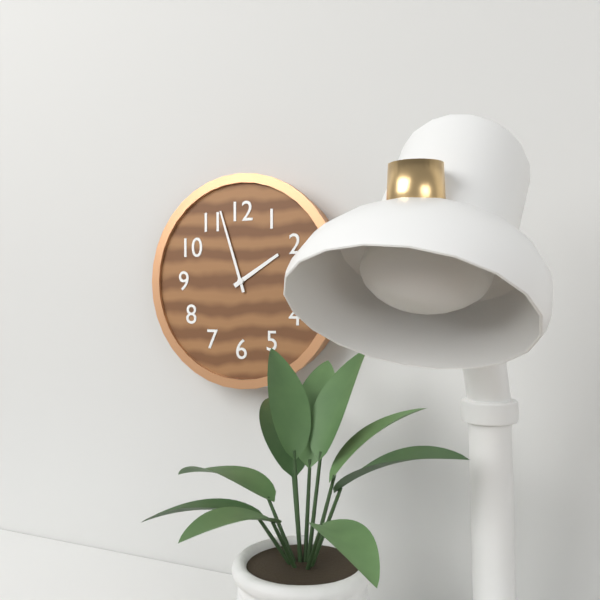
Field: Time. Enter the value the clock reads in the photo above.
1:57
